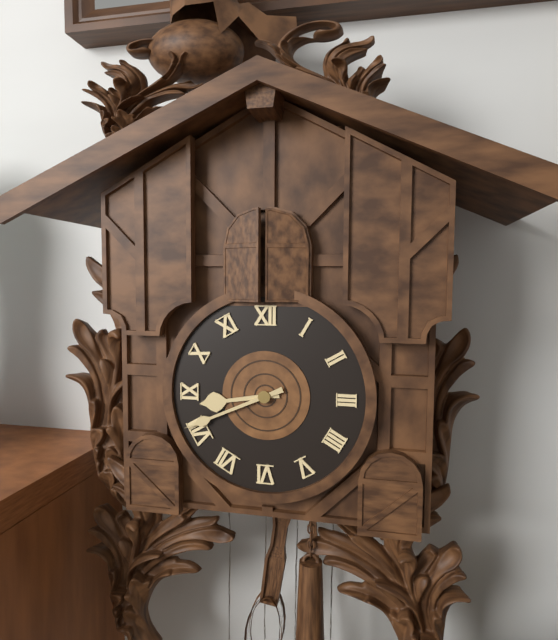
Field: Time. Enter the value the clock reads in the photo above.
8:41
